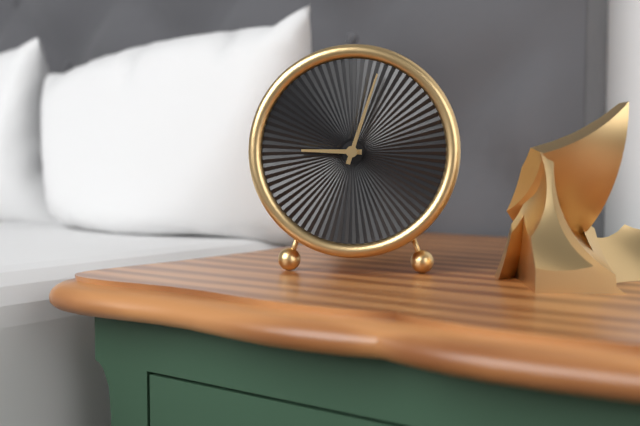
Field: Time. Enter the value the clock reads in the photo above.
9:03
